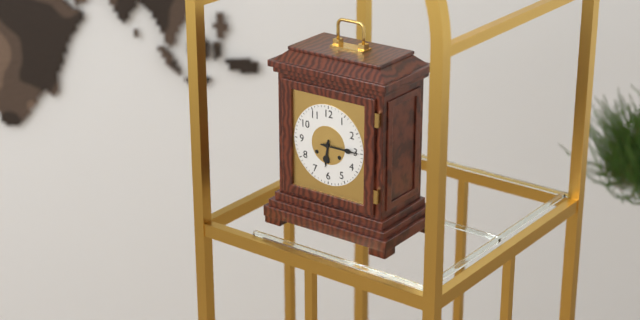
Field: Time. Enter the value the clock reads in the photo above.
6:15
